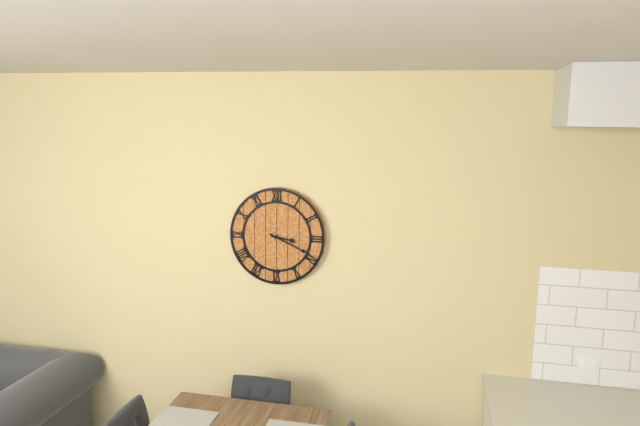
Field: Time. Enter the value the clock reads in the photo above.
3:19
